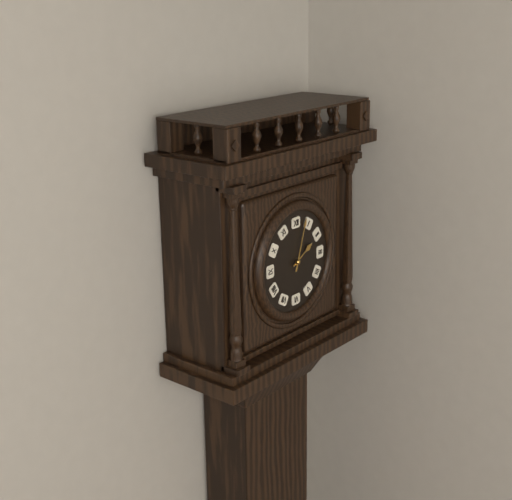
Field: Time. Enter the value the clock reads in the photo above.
2:03
